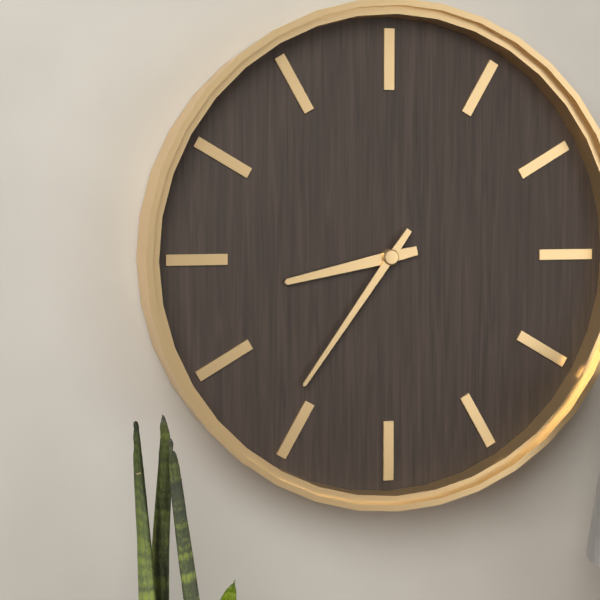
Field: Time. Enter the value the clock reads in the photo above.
8:36
